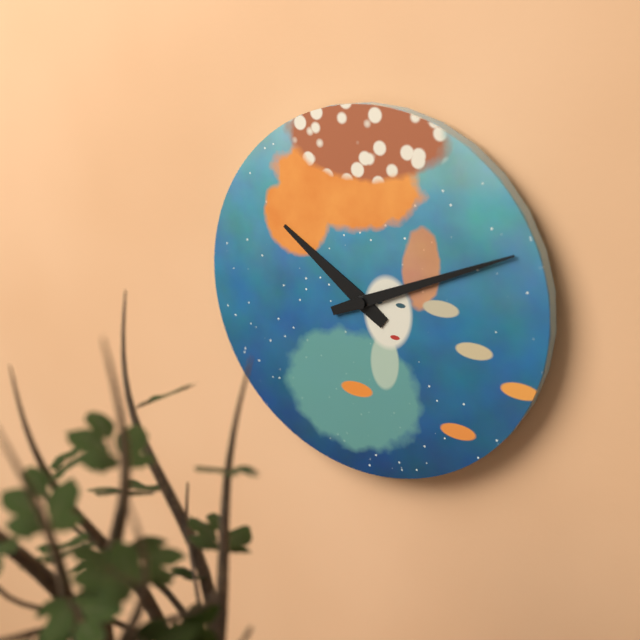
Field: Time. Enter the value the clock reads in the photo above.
10:11
